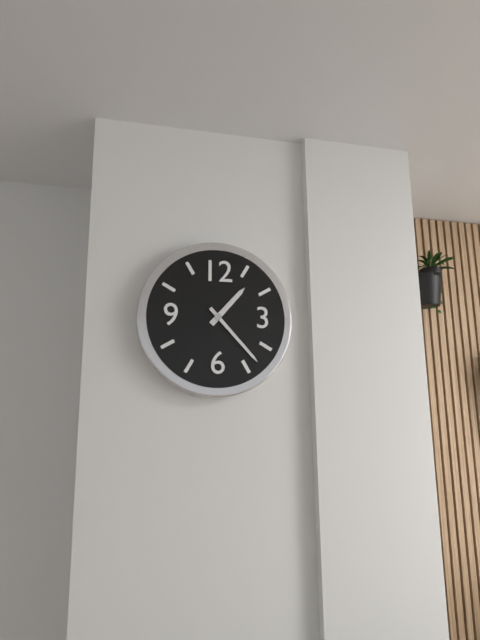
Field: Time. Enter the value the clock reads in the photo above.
1:23
